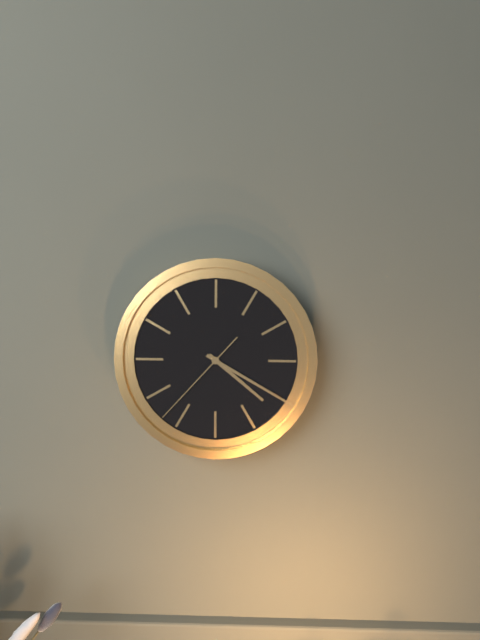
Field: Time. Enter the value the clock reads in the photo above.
4:20:37
